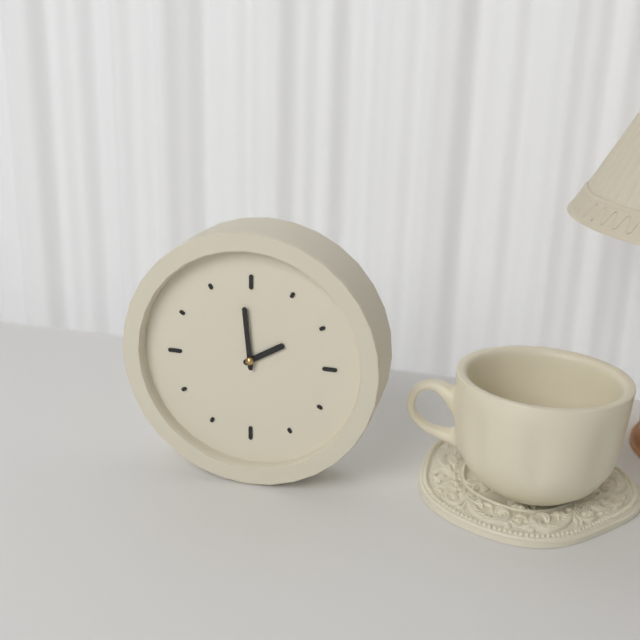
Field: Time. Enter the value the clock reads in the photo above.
1:59
